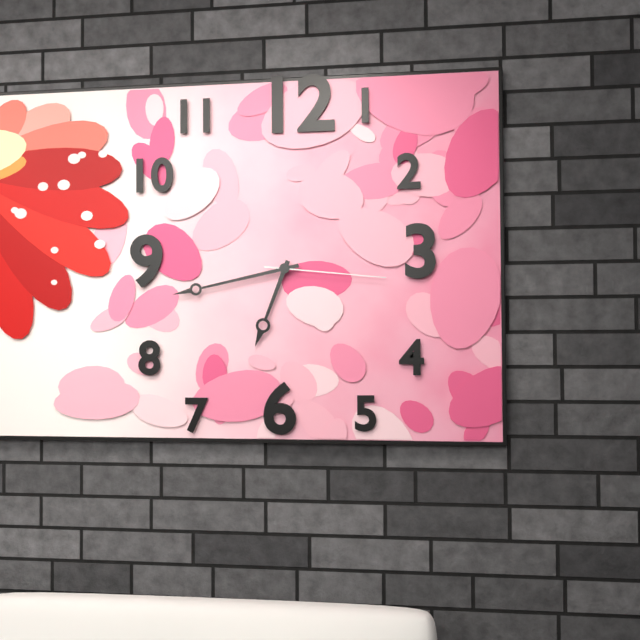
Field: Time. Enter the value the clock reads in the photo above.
6:43:16
